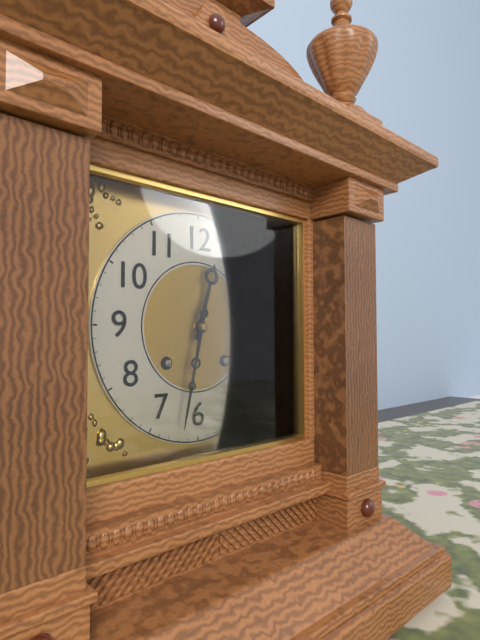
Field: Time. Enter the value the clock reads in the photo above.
12:32
